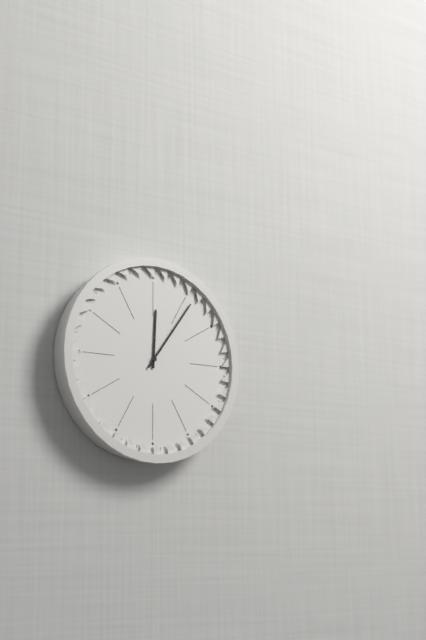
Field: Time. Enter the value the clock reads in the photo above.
12:06
